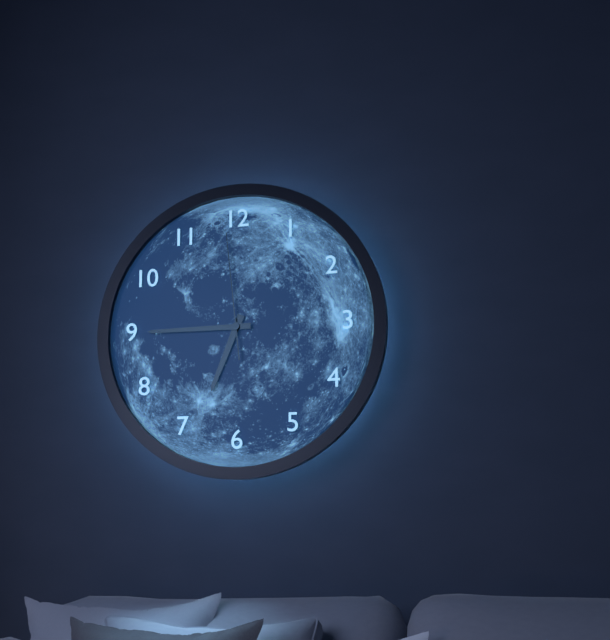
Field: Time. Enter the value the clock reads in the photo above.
6:45:59
